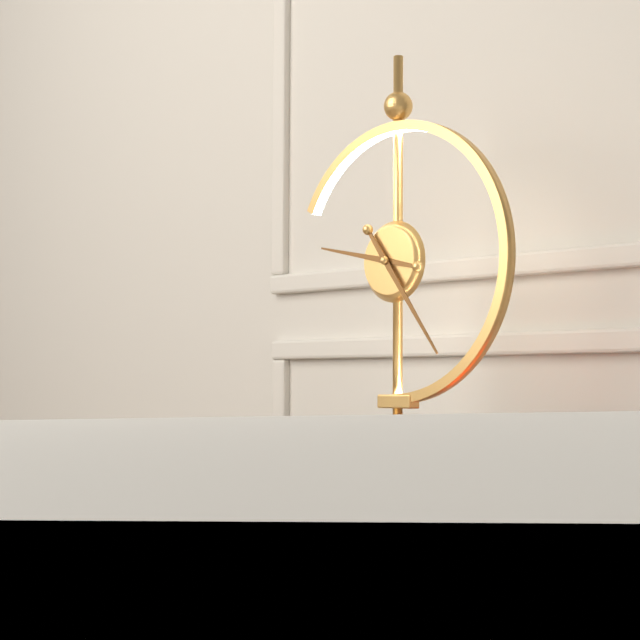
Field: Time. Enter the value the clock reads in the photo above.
9:24
